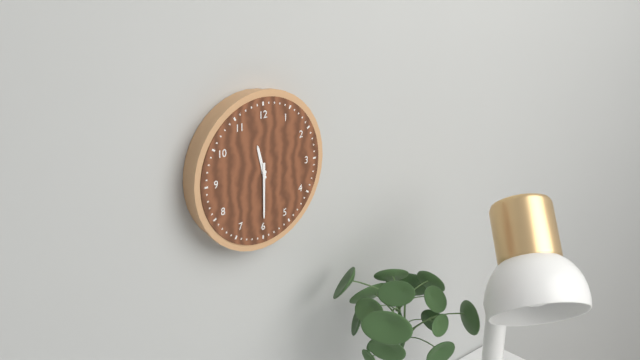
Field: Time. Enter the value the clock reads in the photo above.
11:30
